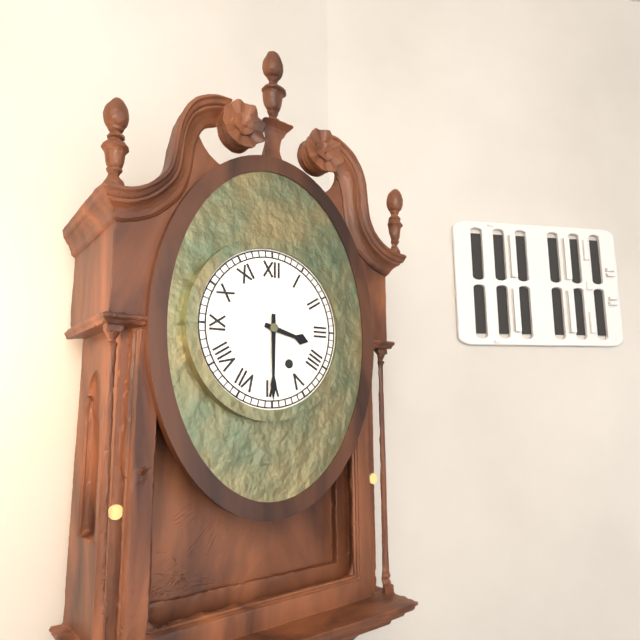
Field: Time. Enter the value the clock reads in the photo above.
3:30
